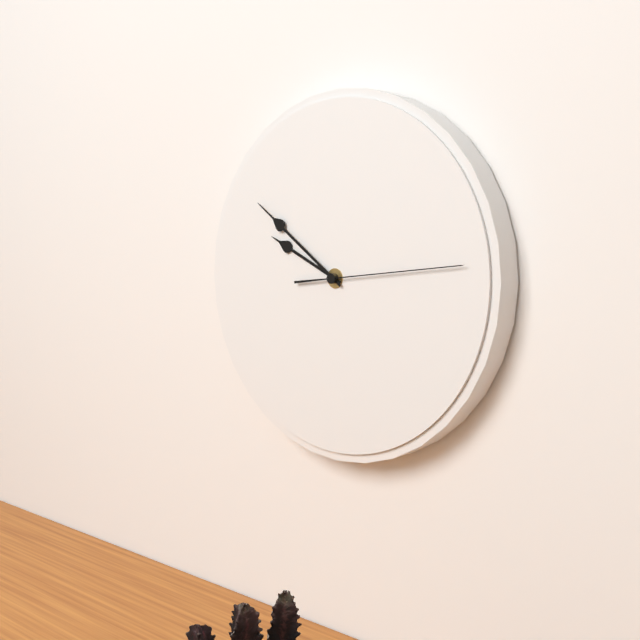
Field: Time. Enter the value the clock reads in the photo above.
9:51:14
